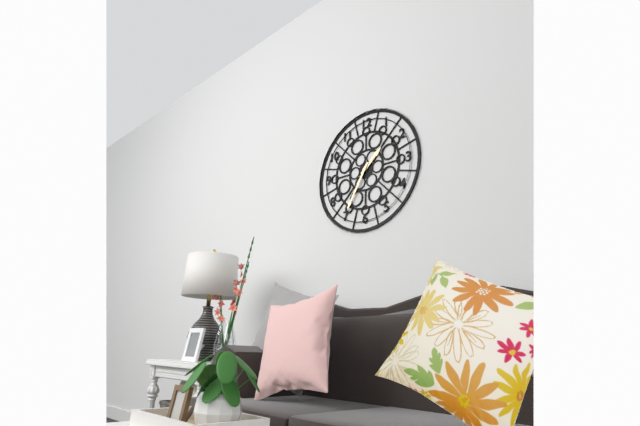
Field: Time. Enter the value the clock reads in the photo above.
1:35
